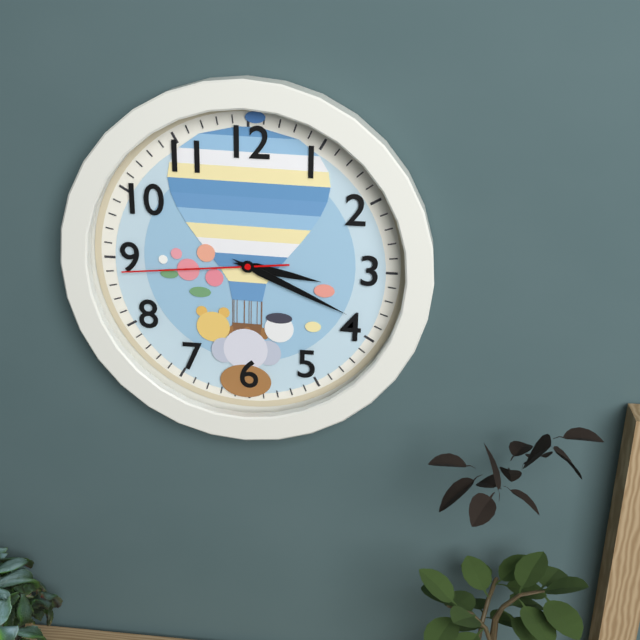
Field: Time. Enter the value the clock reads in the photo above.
3:19:44
